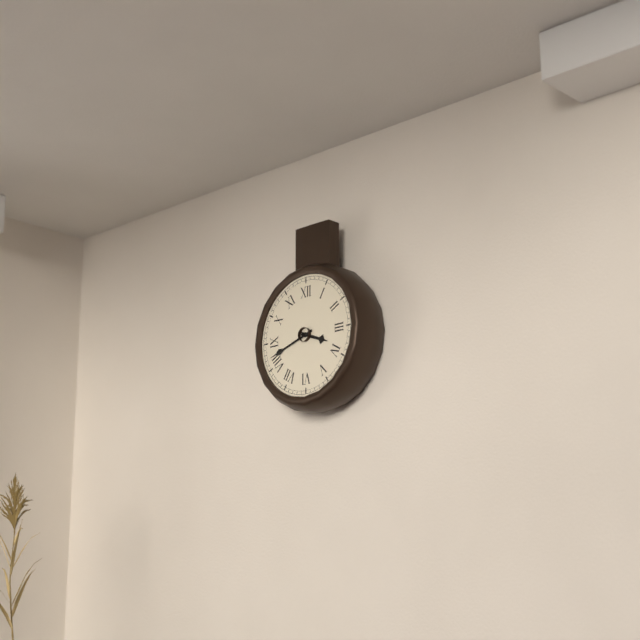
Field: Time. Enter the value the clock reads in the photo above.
3:42
